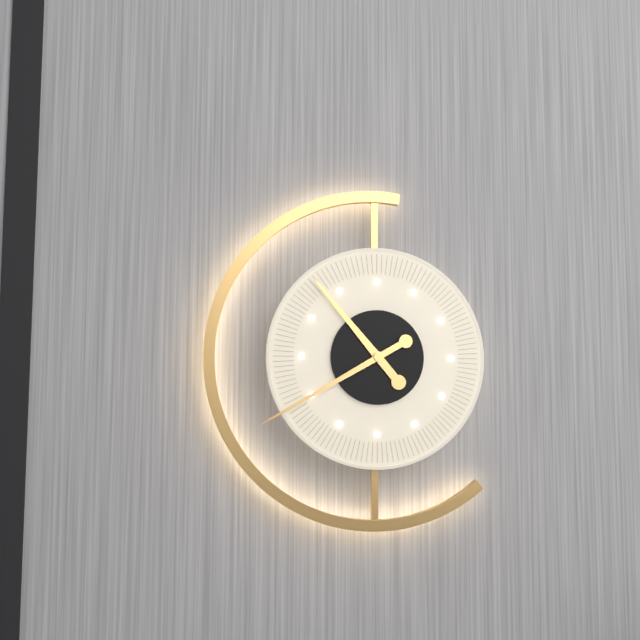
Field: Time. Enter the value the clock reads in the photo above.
10:40
